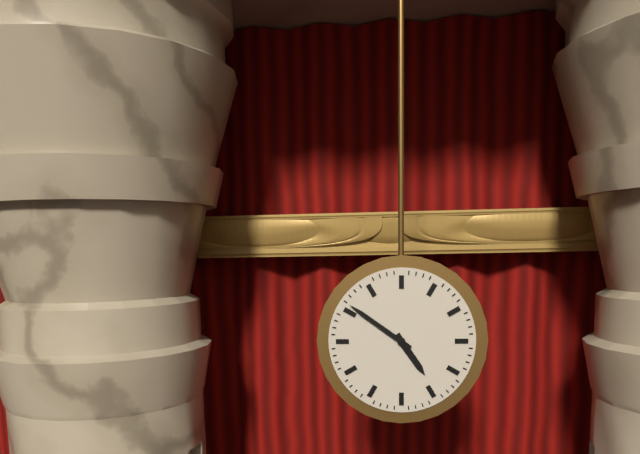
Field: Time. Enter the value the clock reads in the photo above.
4:51
